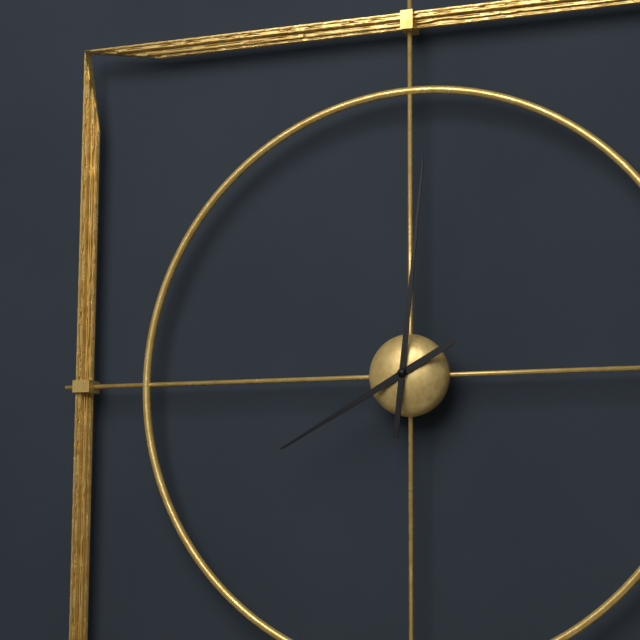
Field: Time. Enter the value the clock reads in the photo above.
8:01
